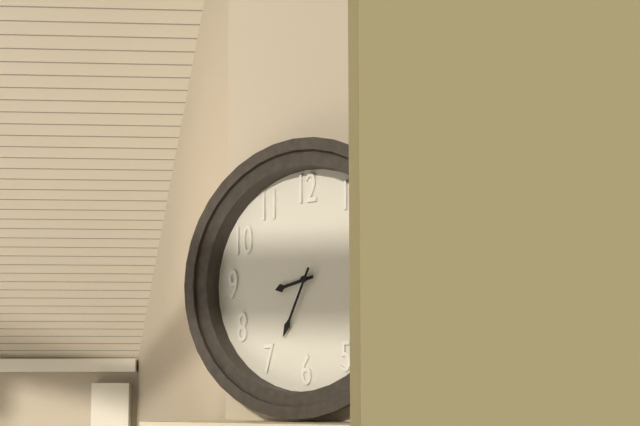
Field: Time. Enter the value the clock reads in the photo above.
8:34
